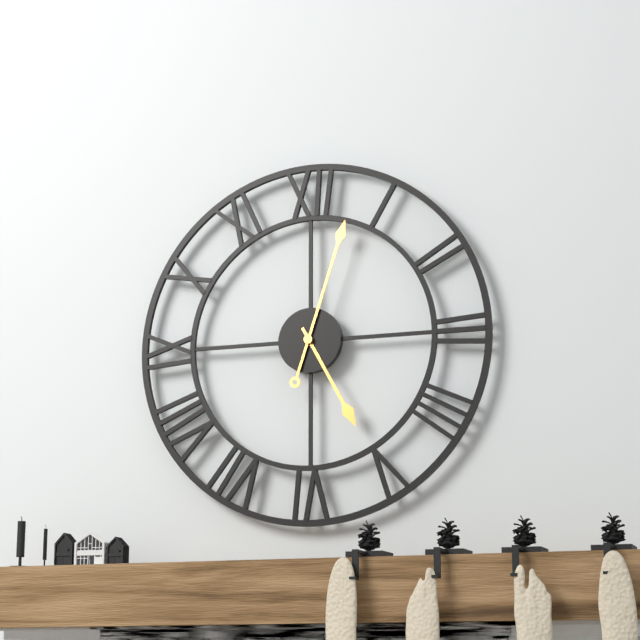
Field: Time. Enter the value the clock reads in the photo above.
5:03
